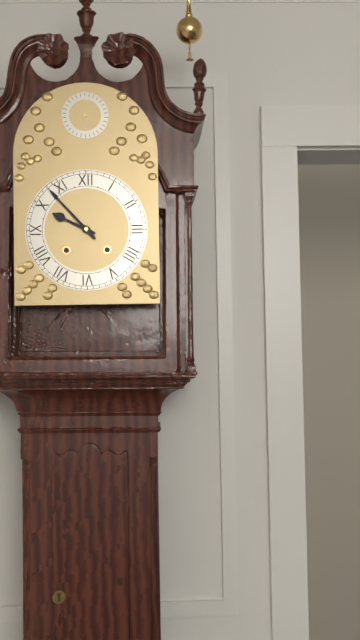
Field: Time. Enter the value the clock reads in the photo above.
9:53
